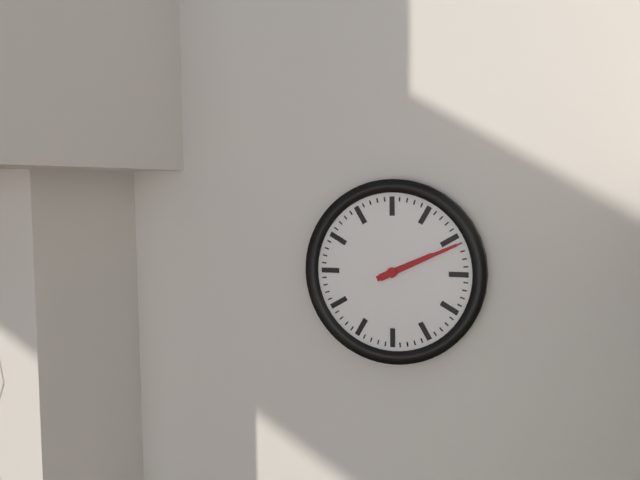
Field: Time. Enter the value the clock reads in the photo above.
2:11
